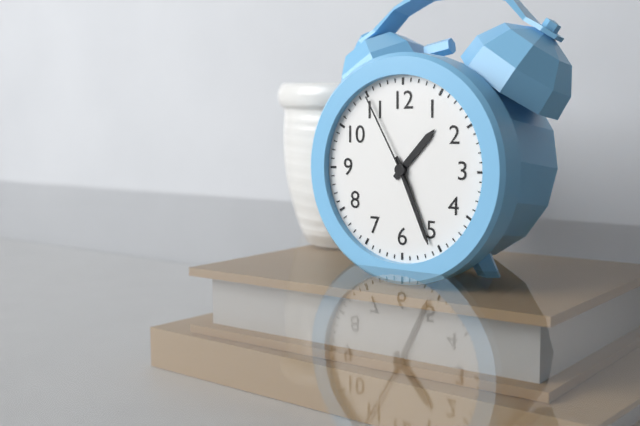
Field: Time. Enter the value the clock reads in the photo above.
1:26:55
